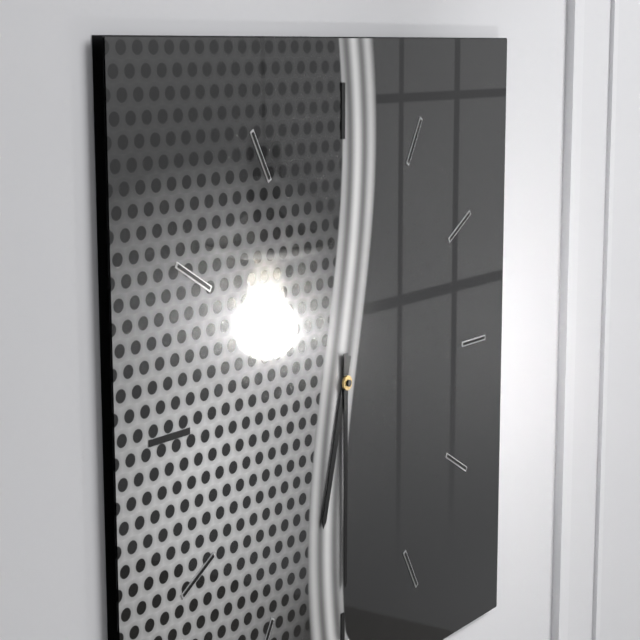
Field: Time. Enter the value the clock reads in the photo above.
6:30
